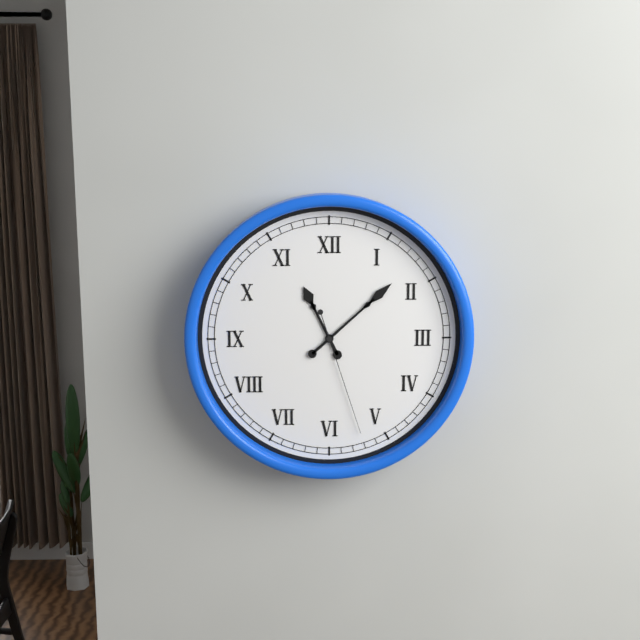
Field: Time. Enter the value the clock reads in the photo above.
11:08:27
